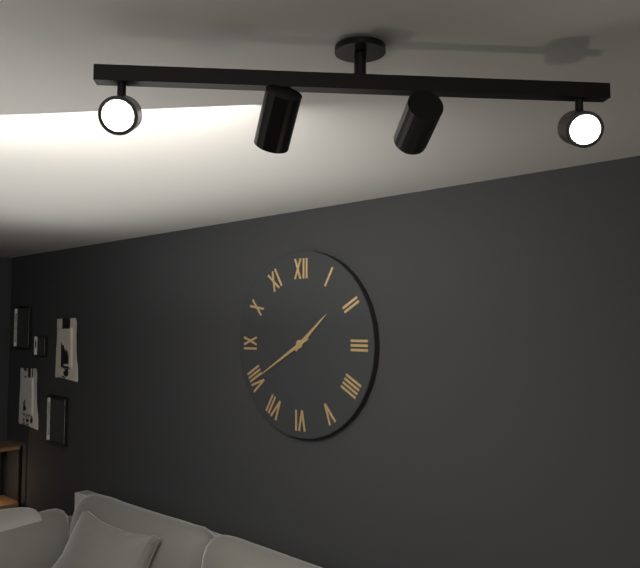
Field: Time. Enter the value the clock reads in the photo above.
1:40
